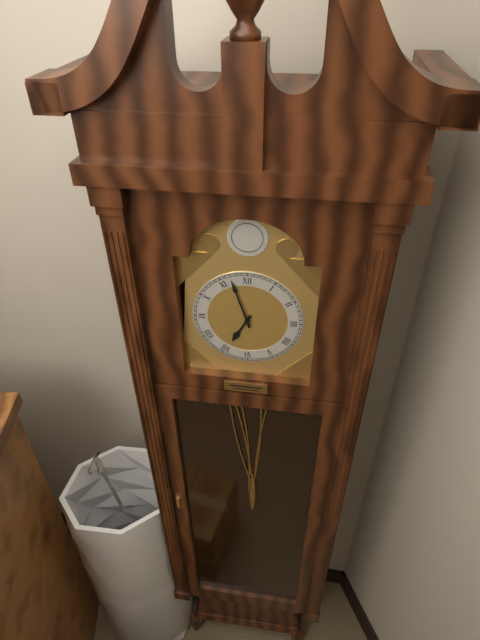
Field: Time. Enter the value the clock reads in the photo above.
6:57
